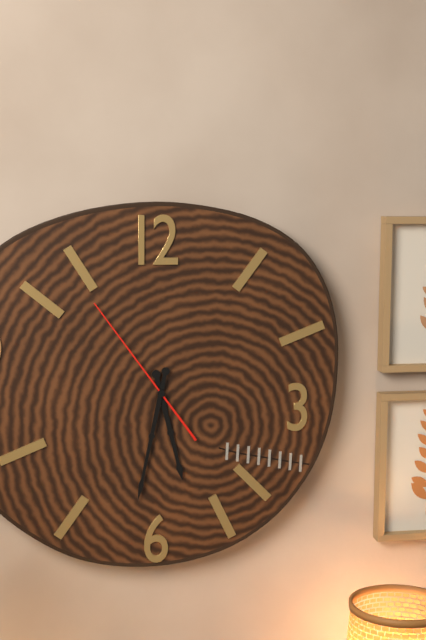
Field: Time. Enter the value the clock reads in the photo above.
5:32:54
